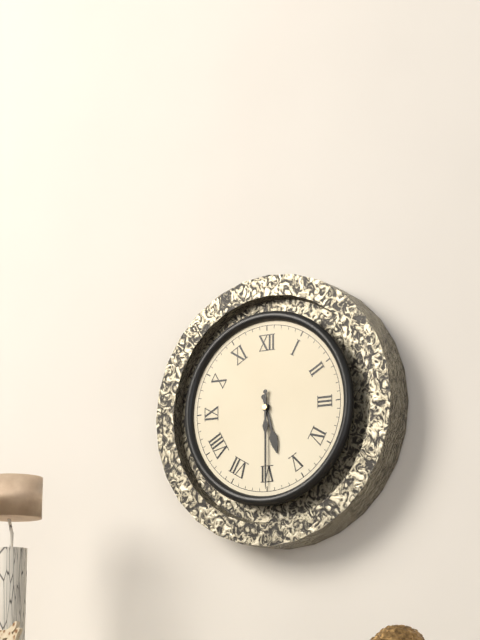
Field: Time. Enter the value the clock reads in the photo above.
5:30
